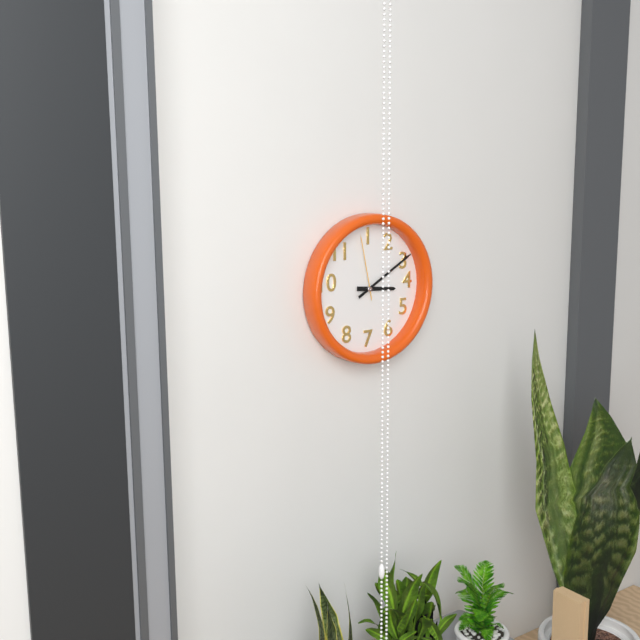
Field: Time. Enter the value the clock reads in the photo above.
3:10:58
